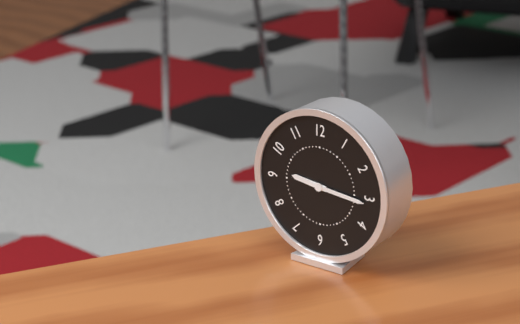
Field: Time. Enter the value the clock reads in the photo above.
9:16
